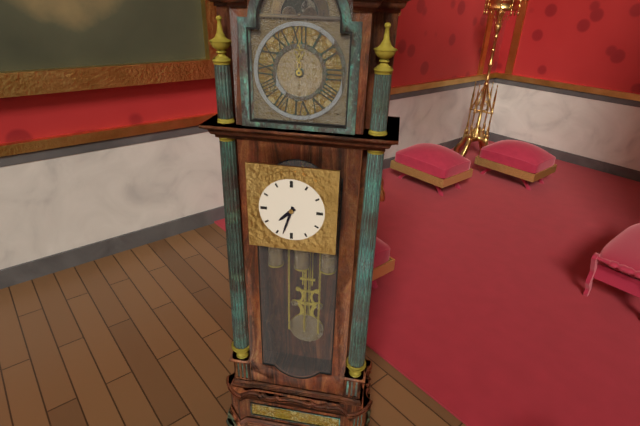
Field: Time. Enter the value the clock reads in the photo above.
7:33
